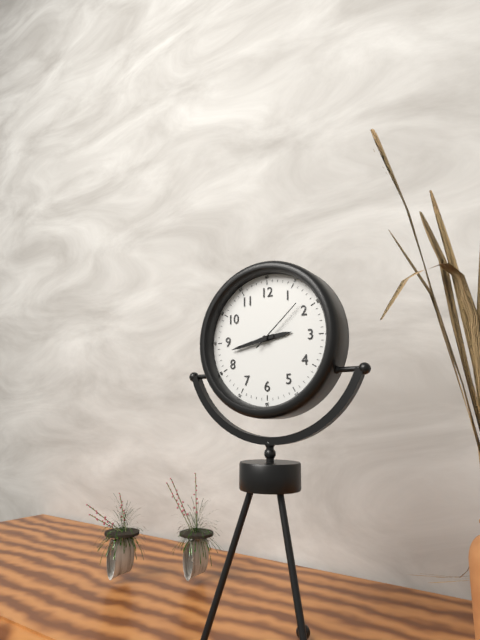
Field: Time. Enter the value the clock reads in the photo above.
2:43:08
